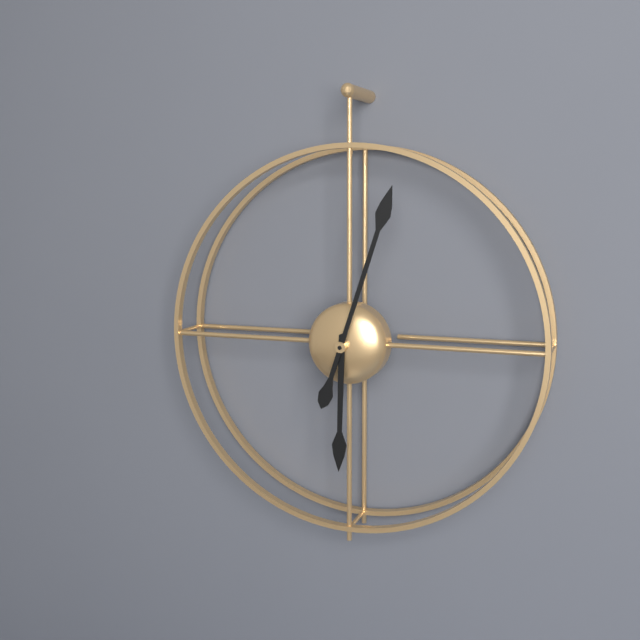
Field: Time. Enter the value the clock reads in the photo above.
6:03
